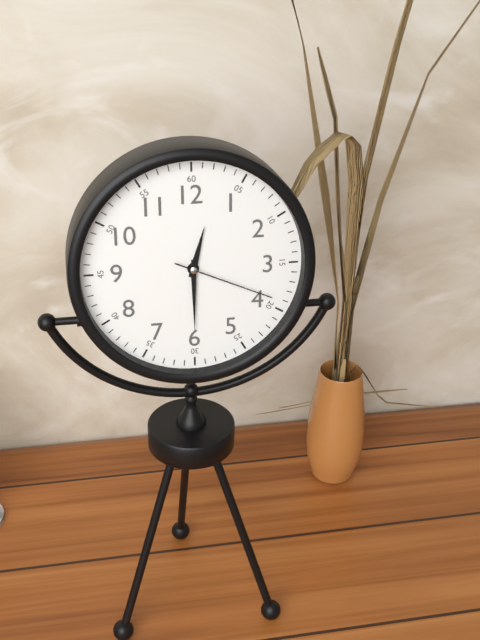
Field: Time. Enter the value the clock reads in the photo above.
12:30:19
